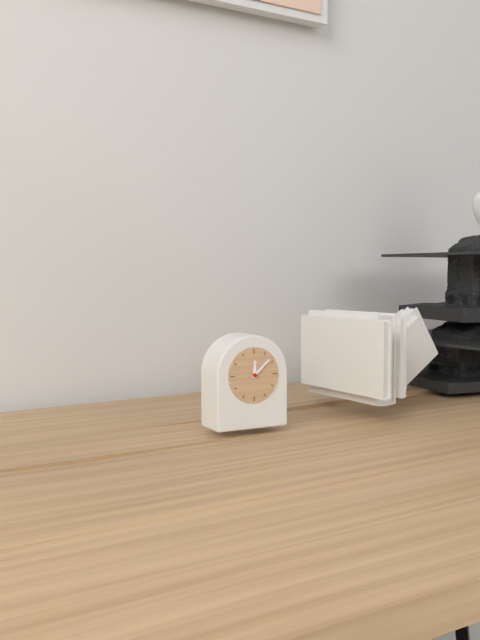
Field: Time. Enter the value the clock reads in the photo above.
12:08
